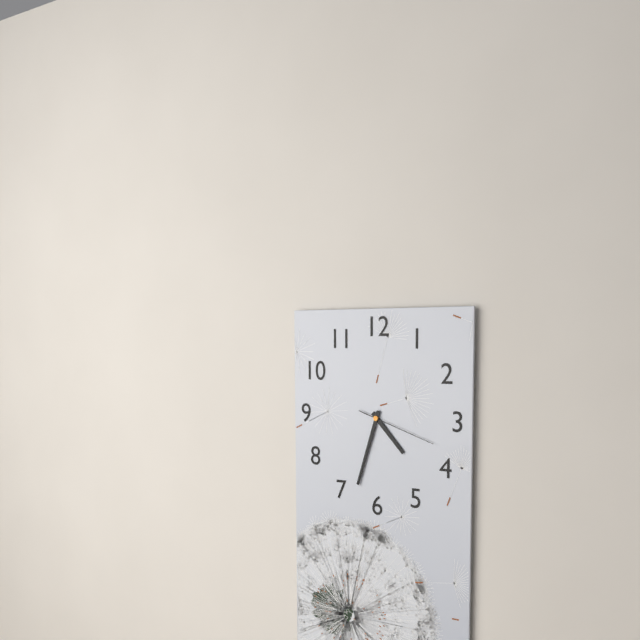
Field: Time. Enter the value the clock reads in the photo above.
4:33:18
